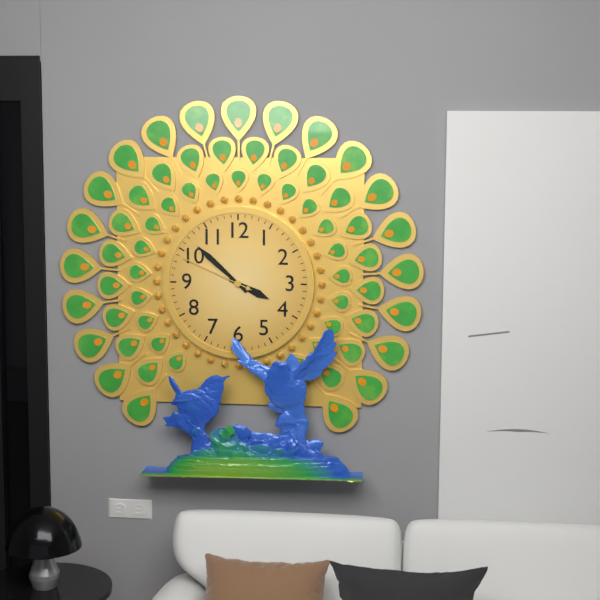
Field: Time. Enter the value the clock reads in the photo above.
3:52:49
